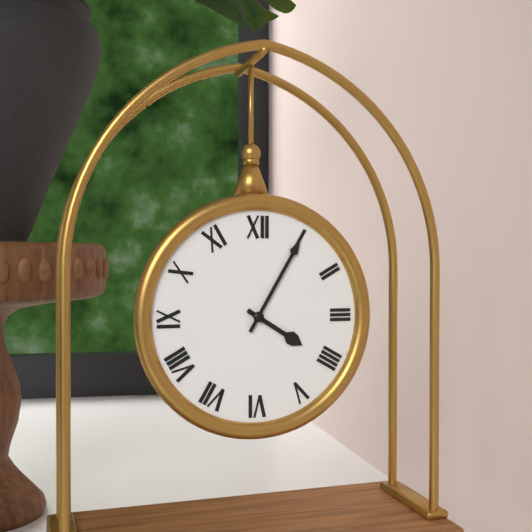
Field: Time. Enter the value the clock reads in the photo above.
4:05
